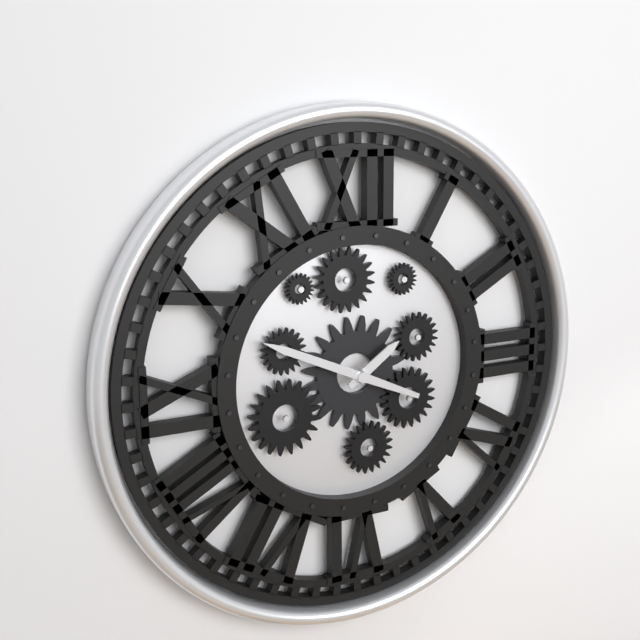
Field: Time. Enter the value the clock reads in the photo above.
1:49
